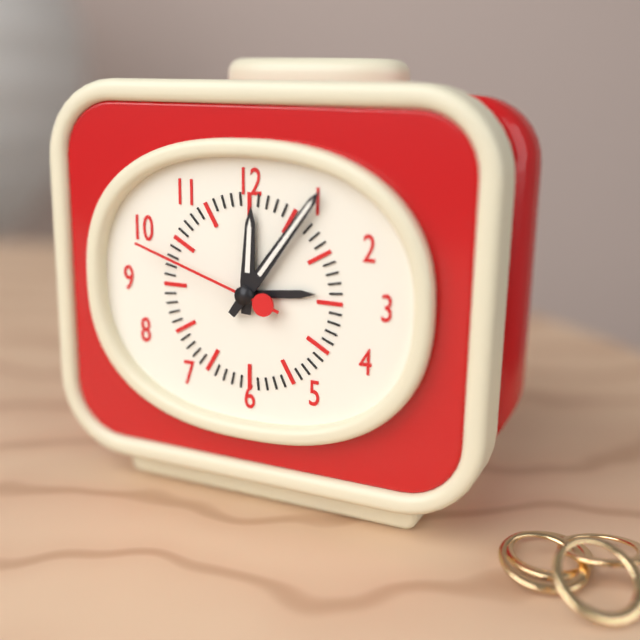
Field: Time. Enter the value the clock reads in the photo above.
12:06:48
